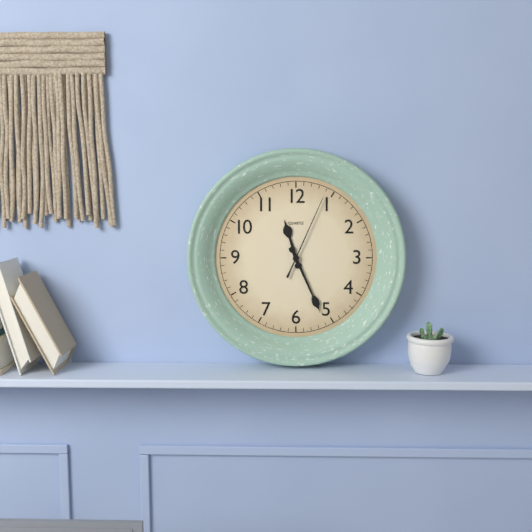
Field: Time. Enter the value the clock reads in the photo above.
11:26:04
